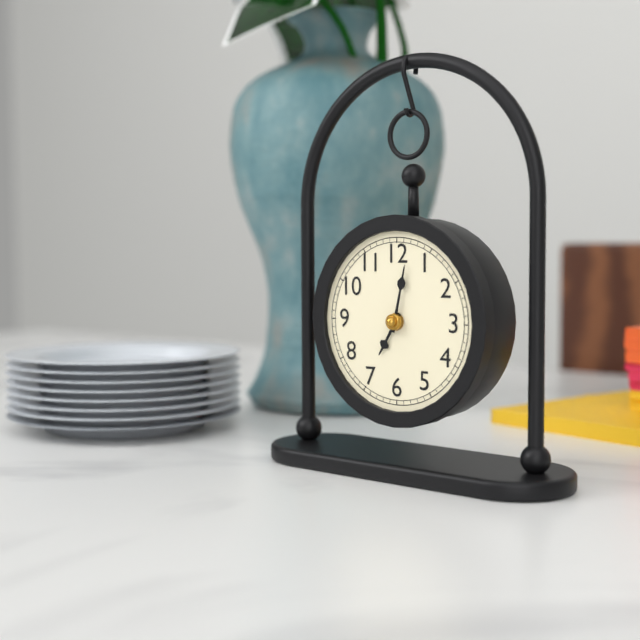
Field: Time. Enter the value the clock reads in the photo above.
7:02
